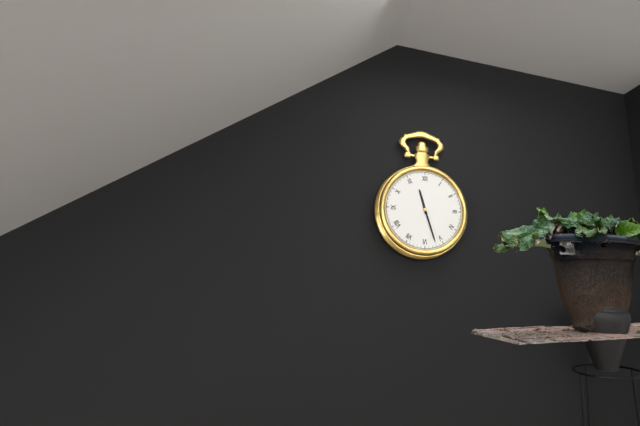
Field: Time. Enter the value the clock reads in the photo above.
11:27
